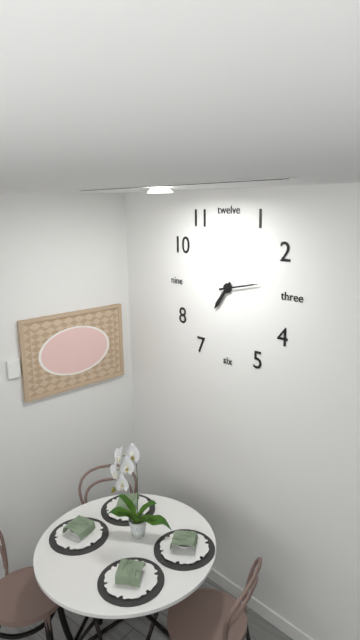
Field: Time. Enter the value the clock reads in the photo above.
7:13
